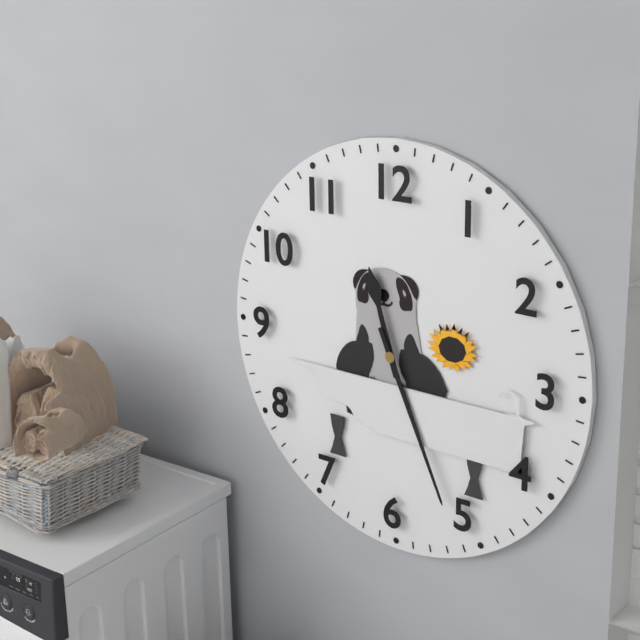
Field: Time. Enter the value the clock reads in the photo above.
11:26
